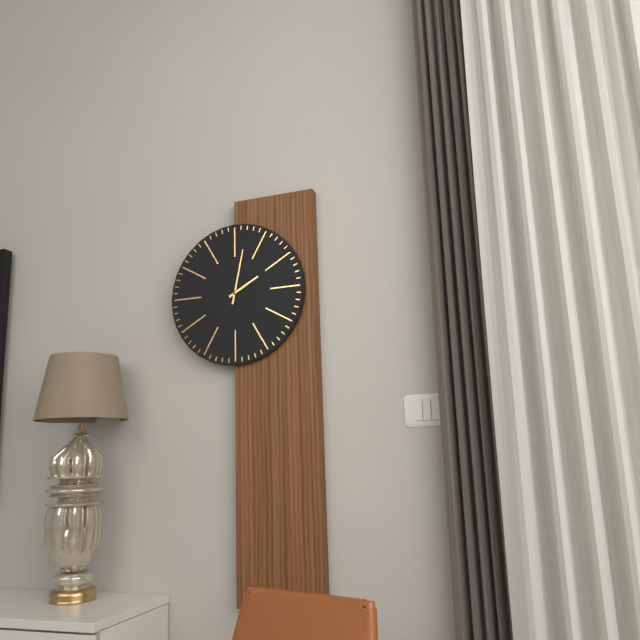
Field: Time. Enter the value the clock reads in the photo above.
2:02
